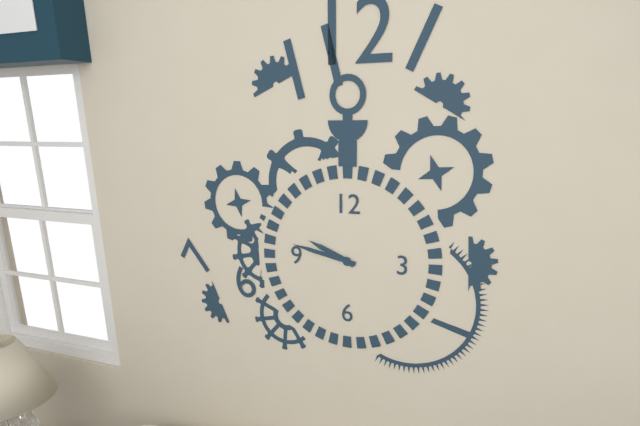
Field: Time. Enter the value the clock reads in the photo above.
9:47
